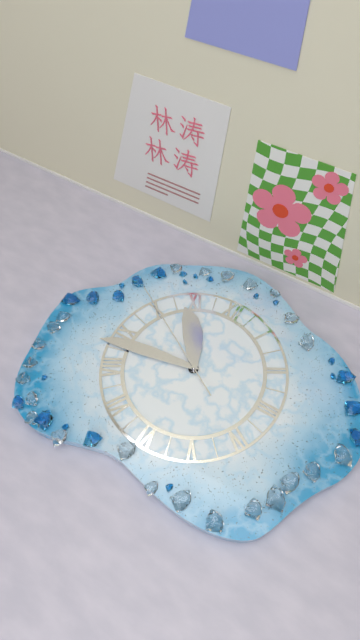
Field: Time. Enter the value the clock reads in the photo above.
10:43:50
